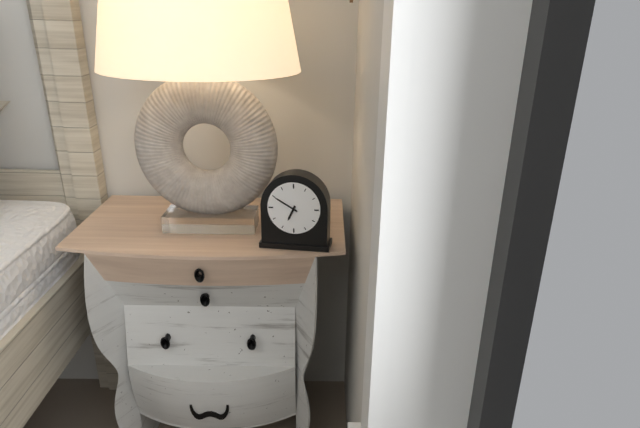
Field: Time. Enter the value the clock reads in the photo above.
6:50
